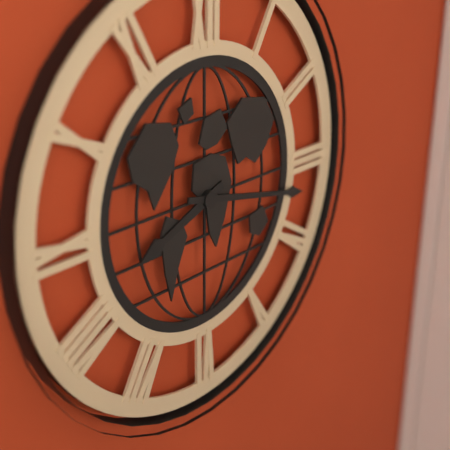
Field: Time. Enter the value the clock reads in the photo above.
8:17
